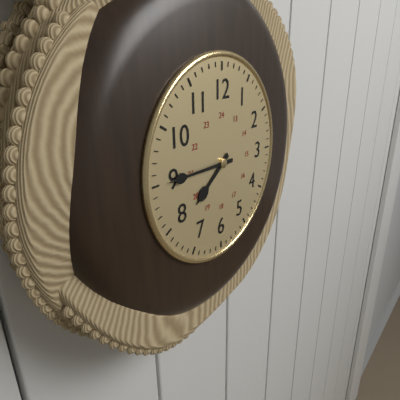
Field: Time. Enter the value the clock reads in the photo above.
7:45
